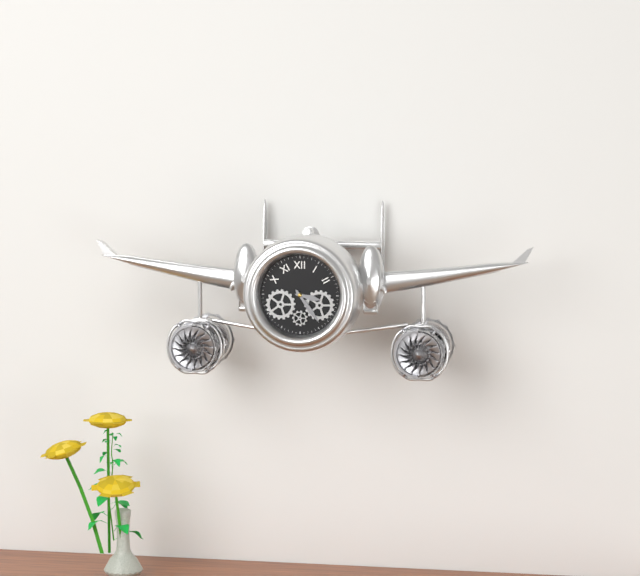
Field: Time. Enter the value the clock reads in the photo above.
3:24
